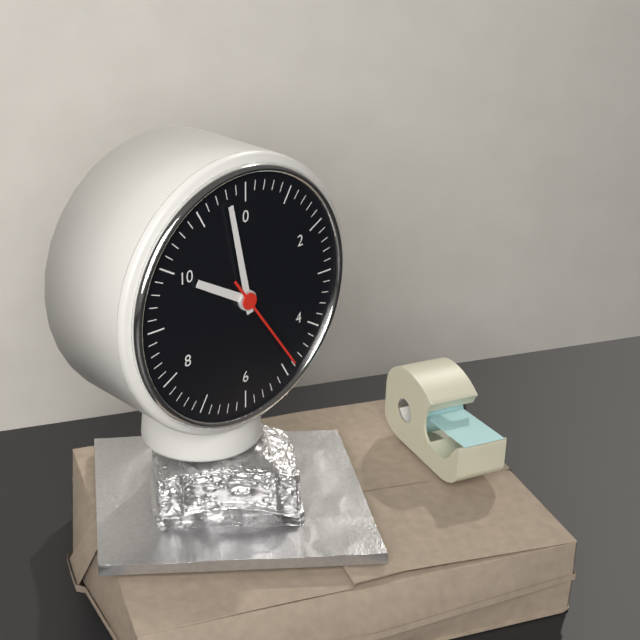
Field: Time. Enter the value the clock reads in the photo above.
9:58:24
